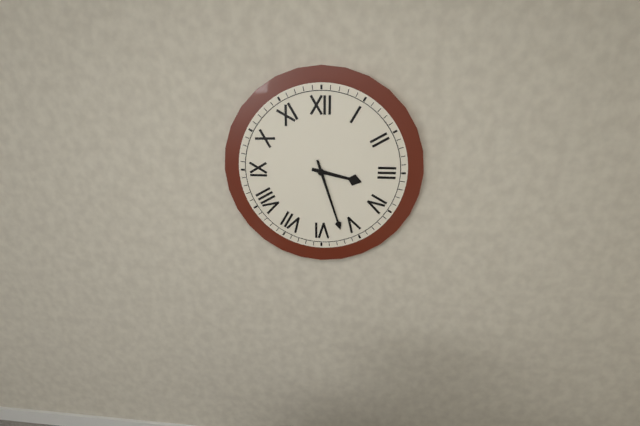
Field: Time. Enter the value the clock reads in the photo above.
3:27
